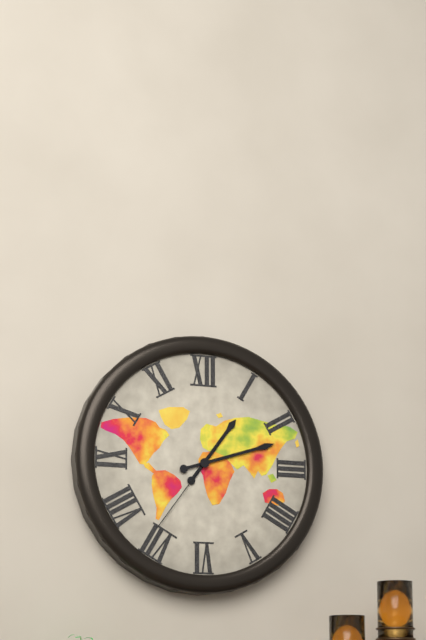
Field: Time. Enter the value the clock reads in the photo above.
1:12:36
